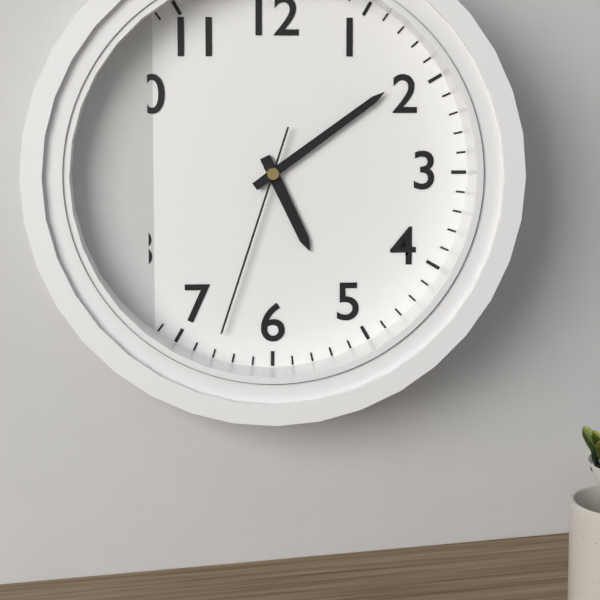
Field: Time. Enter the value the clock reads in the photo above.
5:09:33
